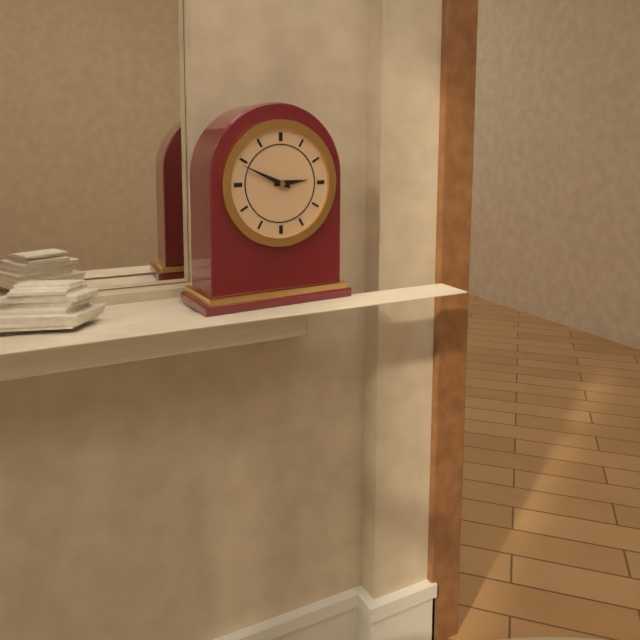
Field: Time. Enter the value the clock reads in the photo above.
2:49
